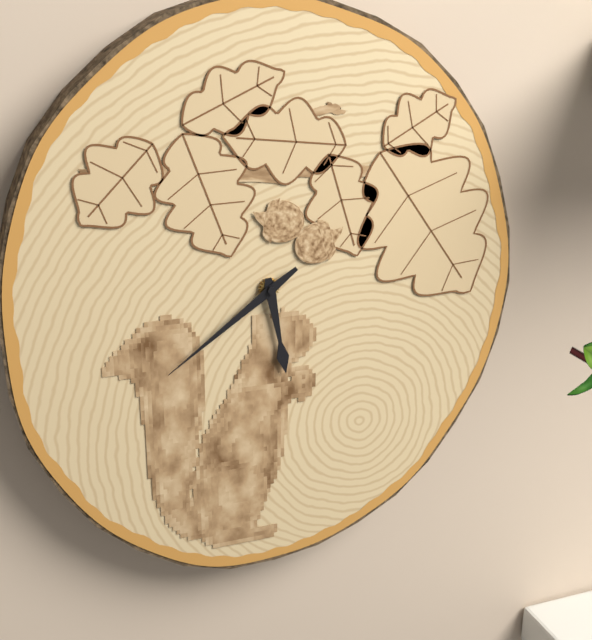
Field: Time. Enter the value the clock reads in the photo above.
5:39
